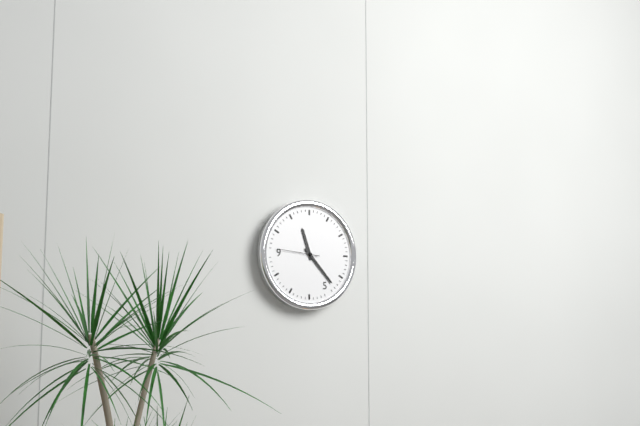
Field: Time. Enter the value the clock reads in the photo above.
11:23
